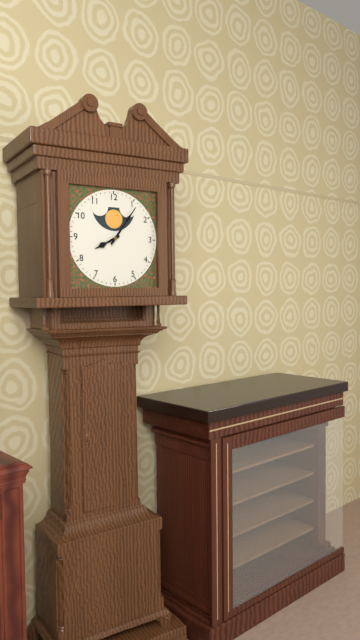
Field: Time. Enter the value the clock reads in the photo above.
8:06
